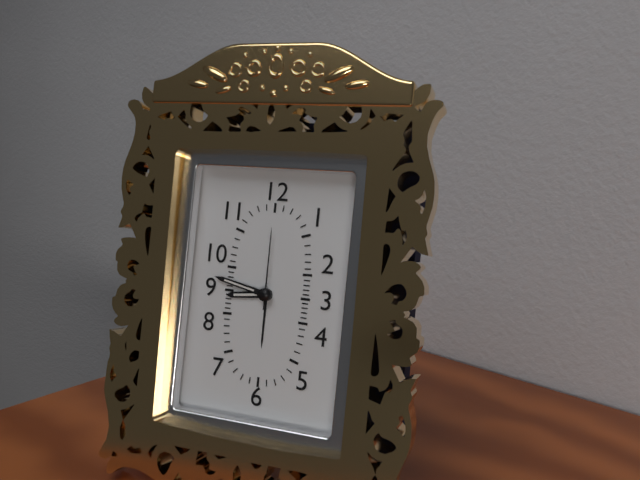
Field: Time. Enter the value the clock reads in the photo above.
8:47:00
